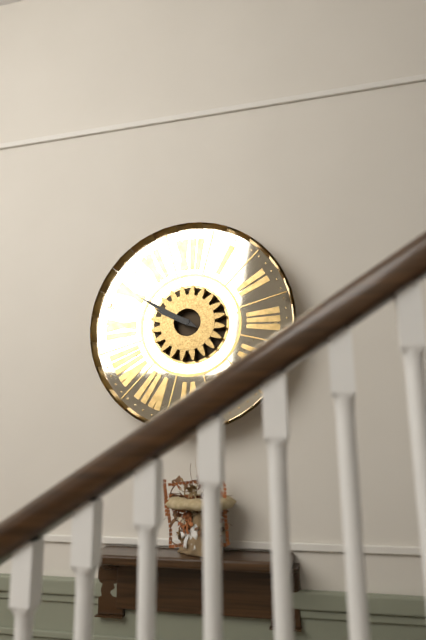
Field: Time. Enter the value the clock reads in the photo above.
9:50
